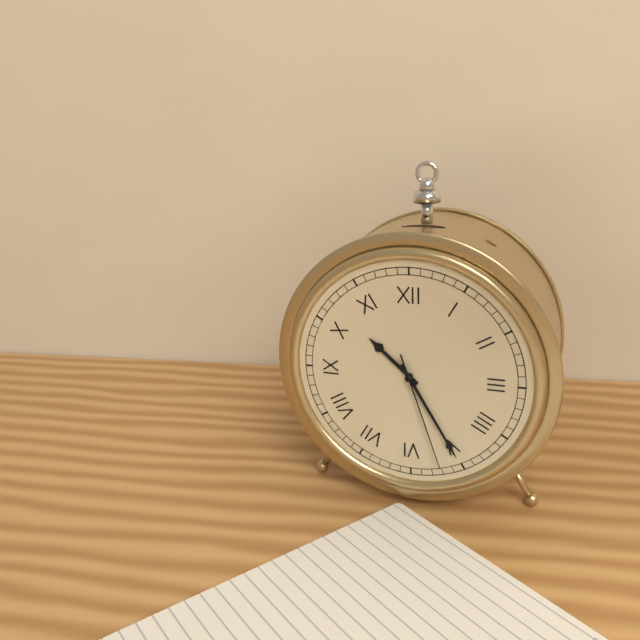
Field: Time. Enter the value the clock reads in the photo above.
10:25:27
